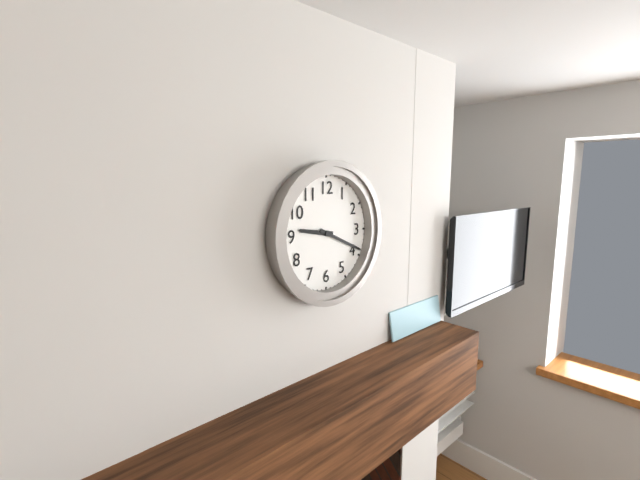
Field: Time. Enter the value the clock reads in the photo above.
9:19
